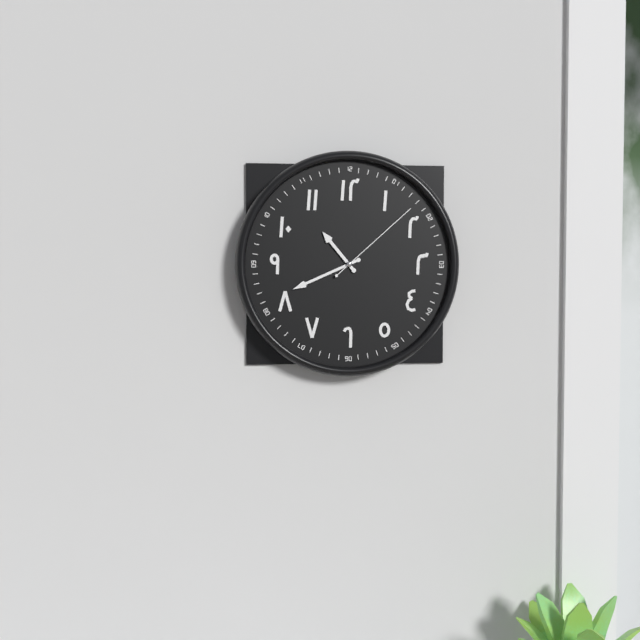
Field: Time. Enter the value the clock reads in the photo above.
10:41:08
